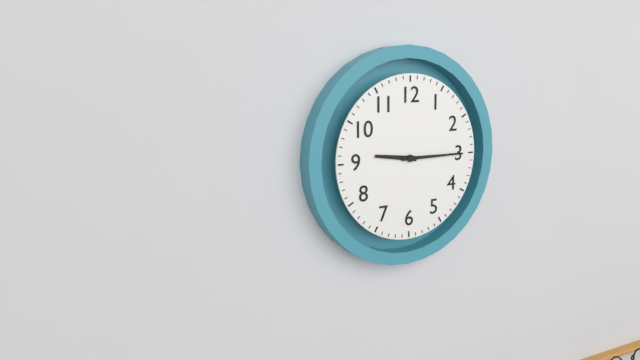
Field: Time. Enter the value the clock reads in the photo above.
9:15
